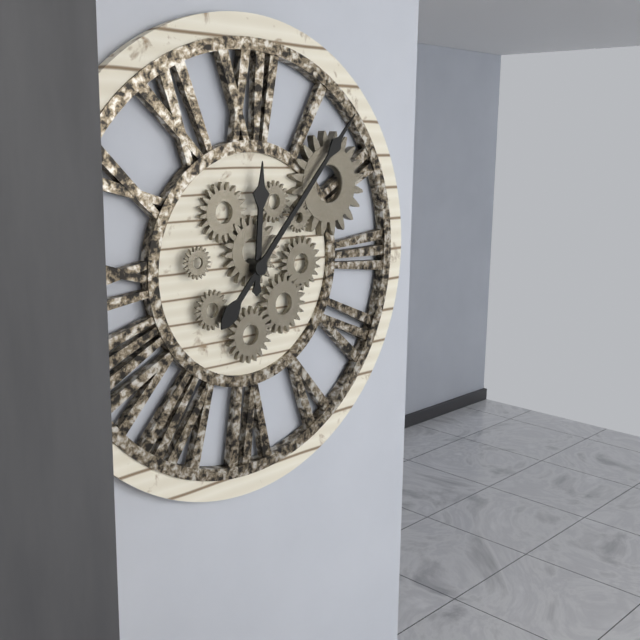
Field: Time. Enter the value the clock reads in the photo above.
12:07
